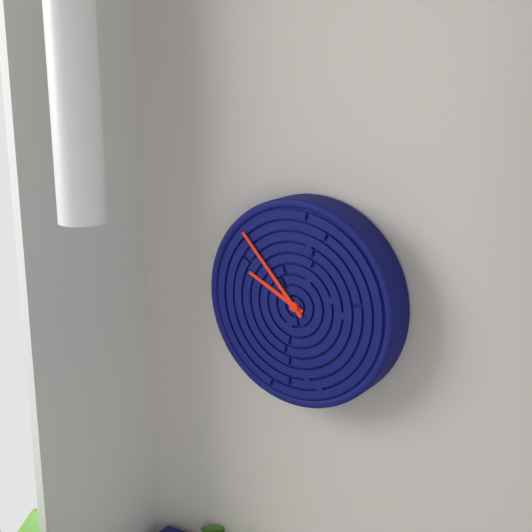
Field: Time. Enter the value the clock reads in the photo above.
9:53
